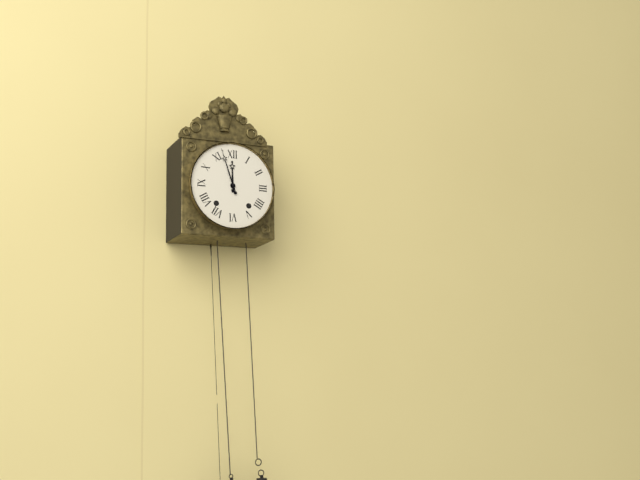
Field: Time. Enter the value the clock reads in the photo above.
11:57
